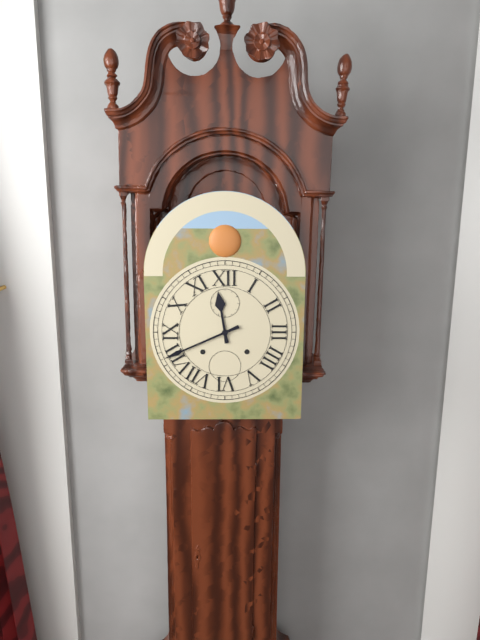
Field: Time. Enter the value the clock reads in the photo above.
11:41
